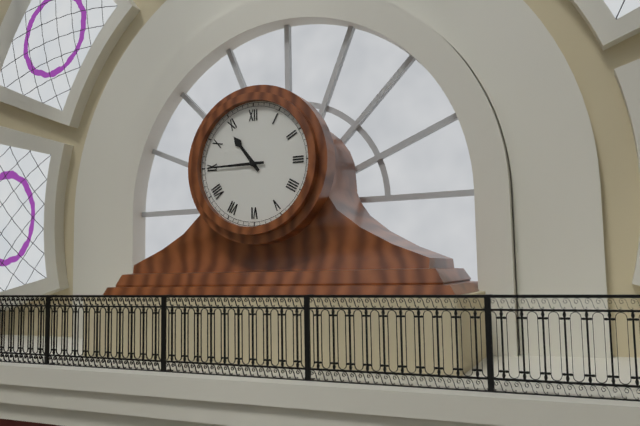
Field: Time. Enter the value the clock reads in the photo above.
10:45
